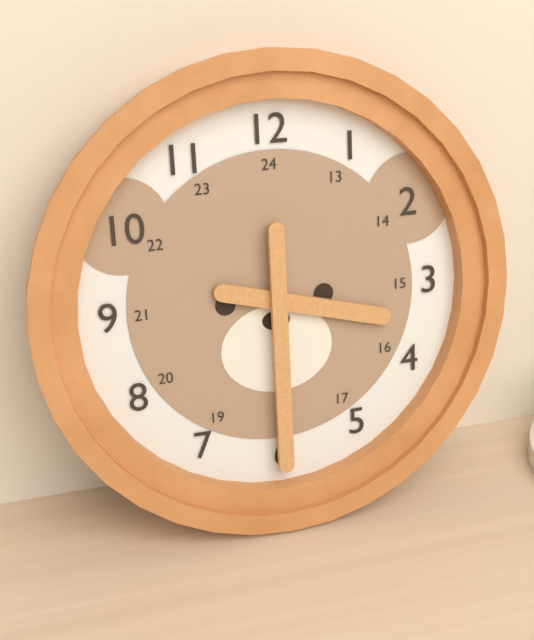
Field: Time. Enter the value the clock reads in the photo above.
3:30
